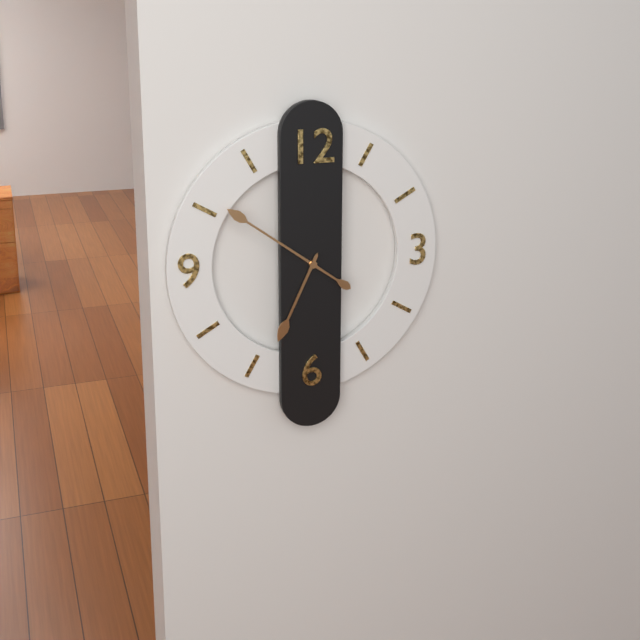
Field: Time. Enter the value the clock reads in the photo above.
6:51
